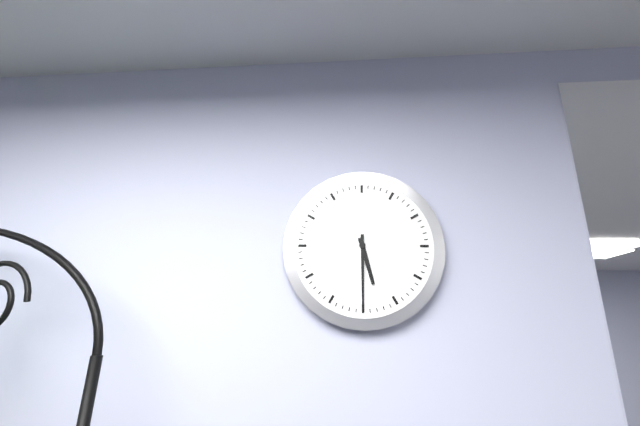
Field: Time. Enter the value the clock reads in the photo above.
5:30
